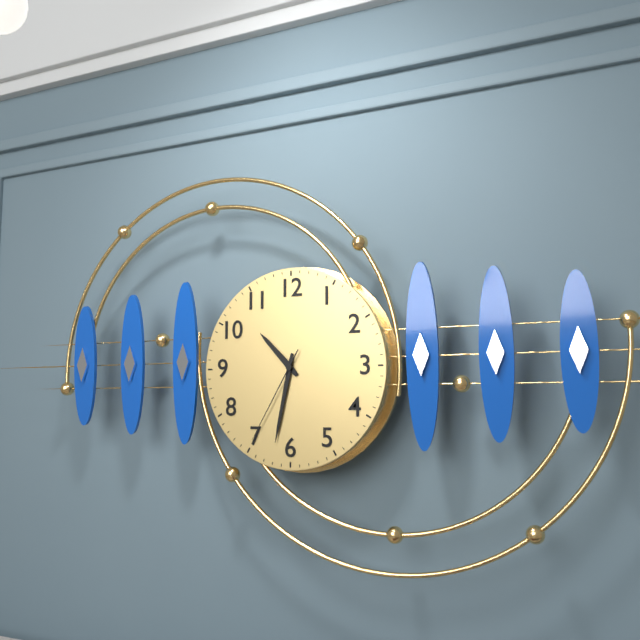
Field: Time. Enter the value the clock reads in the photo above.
10:32:35
